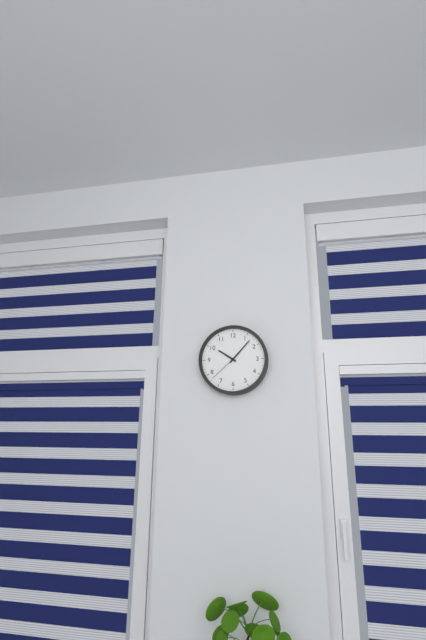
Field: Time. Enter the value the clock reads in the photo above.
10:07
